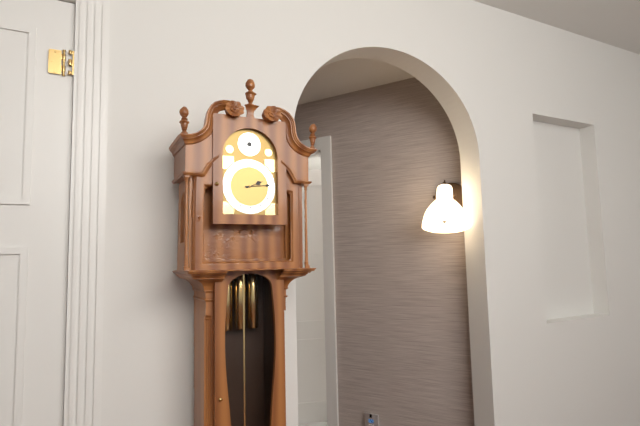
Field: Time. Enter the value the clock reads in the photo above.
2:14
